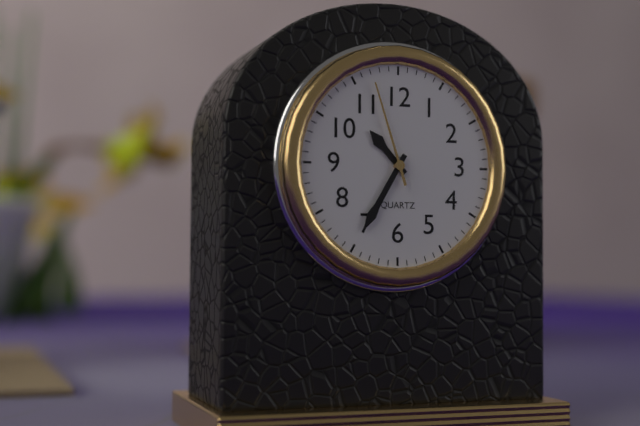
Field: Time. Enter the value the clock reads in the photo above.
10:35:57
